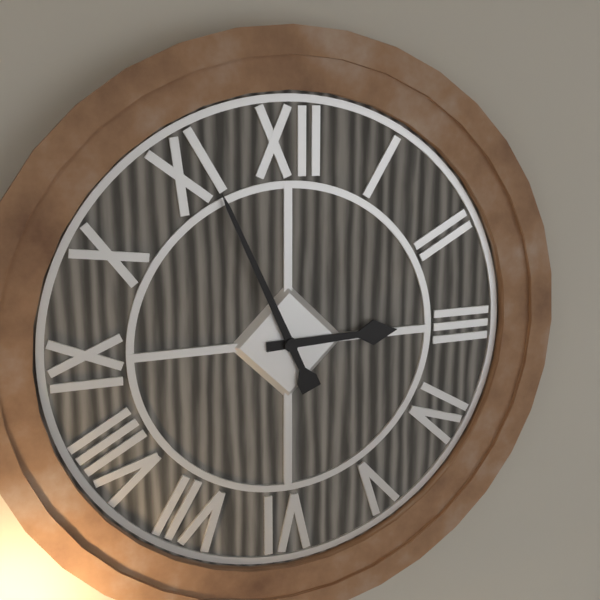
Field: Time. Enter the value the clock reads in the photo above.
2:56
